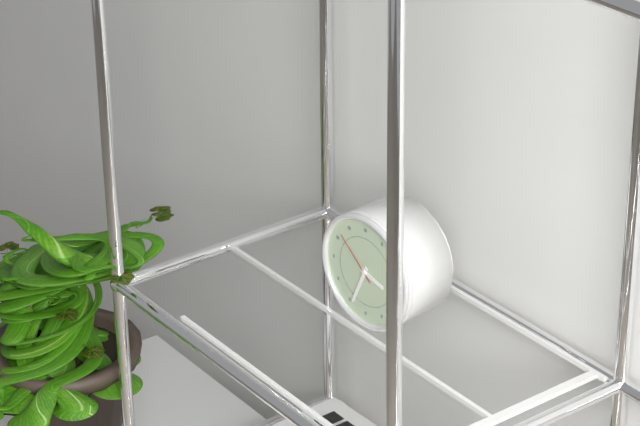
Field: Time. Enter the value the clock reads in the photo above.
3:34:52
